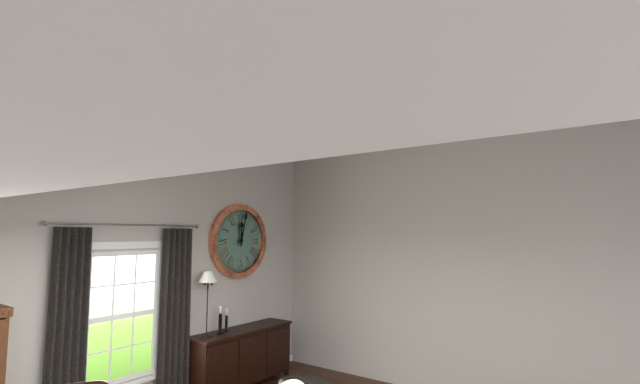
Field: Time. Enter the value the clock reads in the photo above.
12:02
